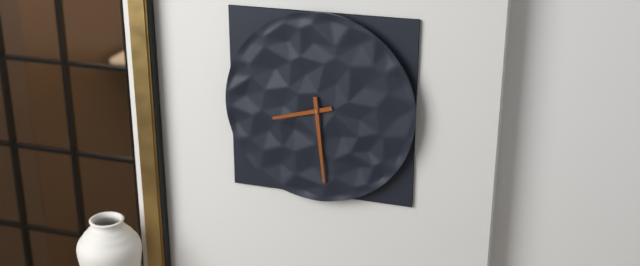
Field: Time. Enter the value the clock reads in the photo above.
8:29
